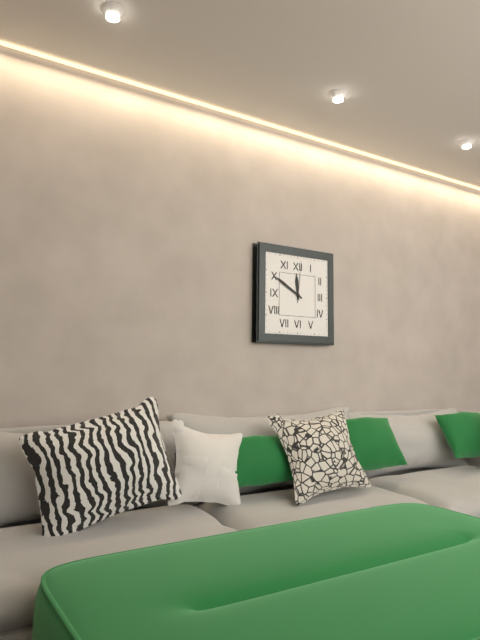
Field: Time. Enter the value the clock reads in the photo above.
11:50
